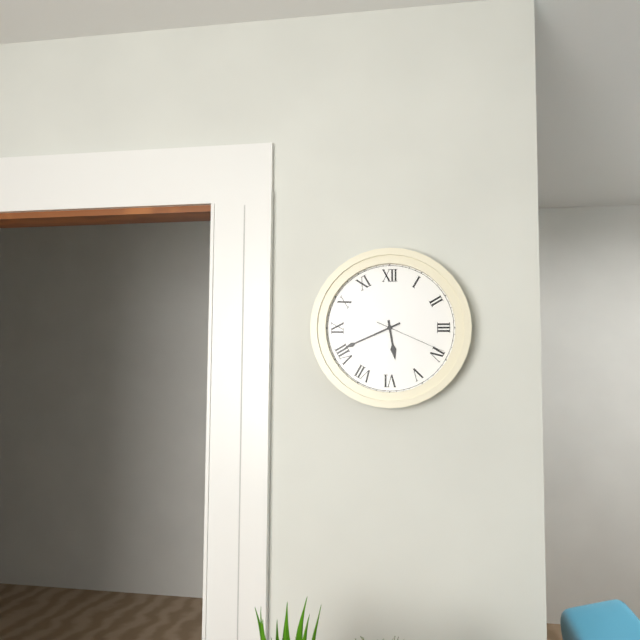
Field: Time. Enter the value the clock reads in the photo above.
5:41:19
